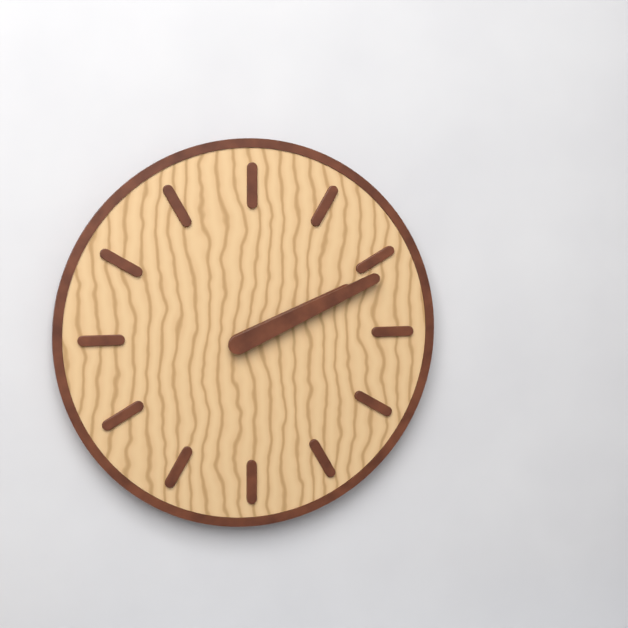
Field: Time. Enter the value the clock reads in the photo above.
2:11
